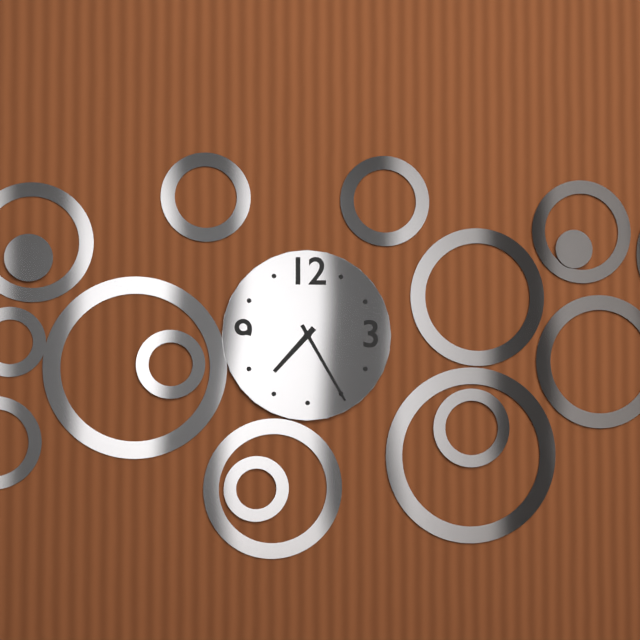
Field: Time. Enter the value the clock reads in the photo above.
7:25
